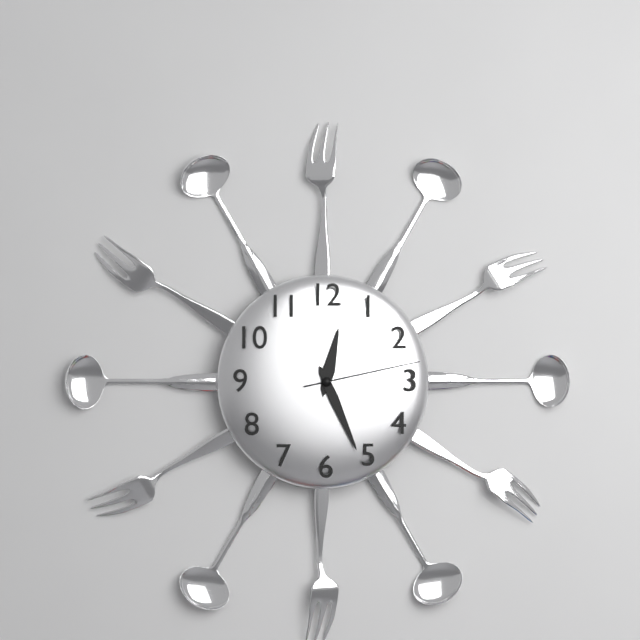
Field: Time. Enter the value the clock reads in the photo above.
12:26:13
